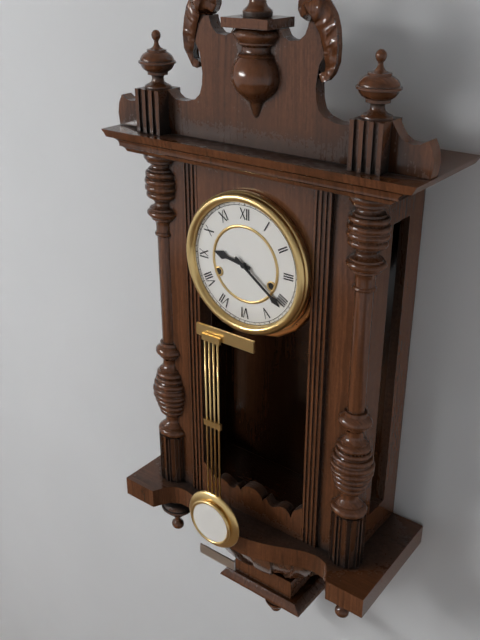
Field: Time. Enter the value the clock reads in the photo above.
9:21
